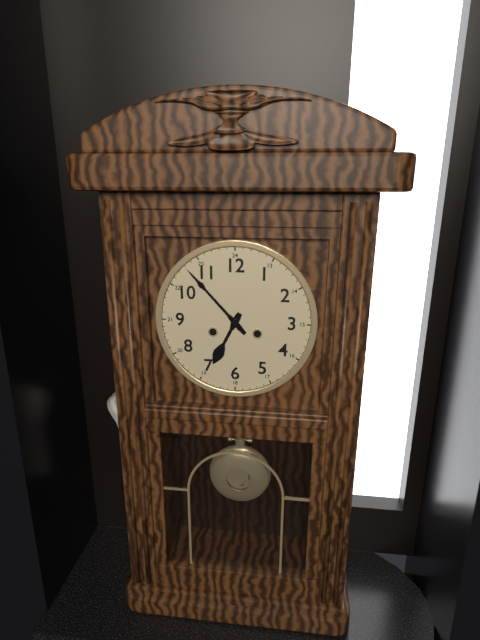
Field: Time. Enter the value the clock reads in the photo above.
6:53
